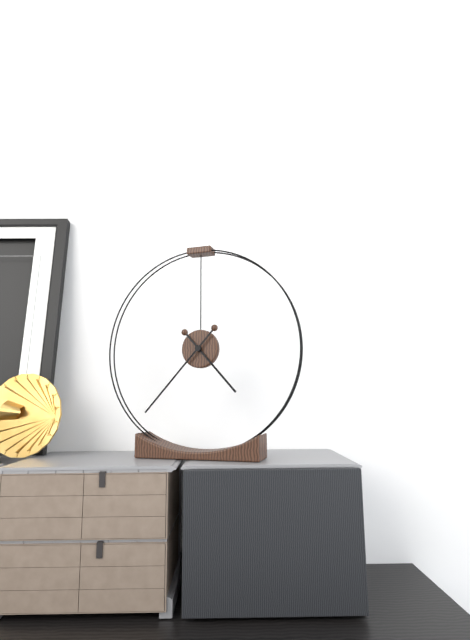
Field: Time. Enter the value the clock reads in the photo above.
4:37
